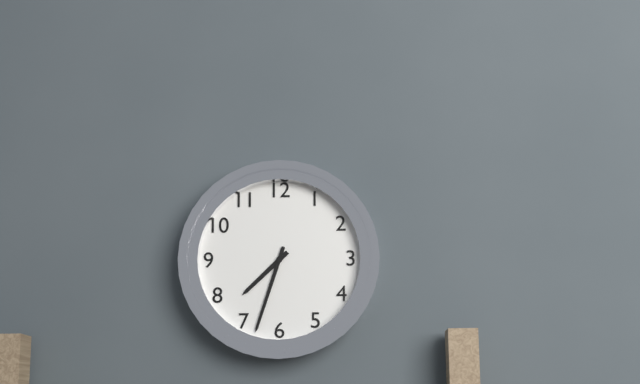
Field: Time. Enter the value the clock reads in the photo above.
7:33
